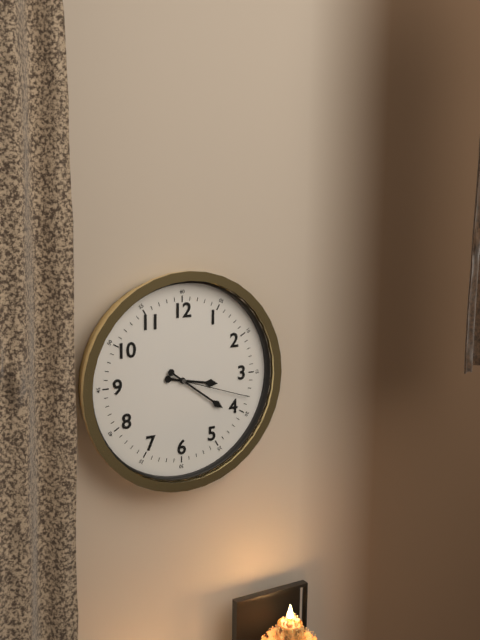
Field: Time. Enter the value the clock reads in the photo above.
3:21:18
